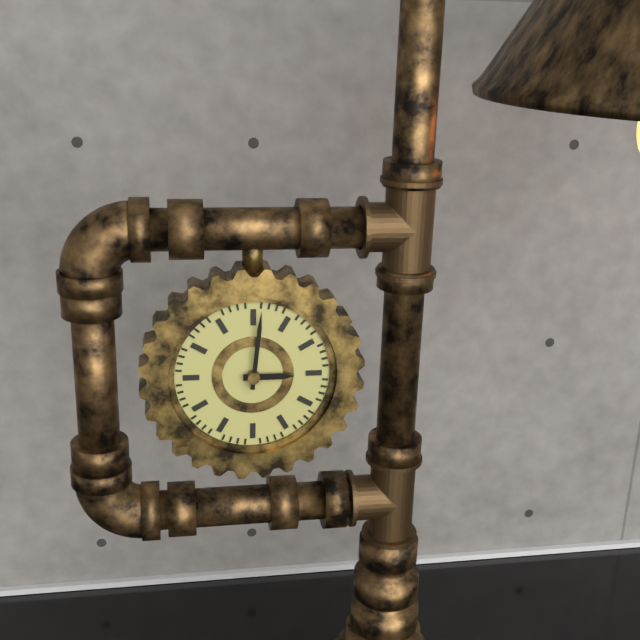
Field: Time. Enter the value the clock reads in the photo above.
3:01
